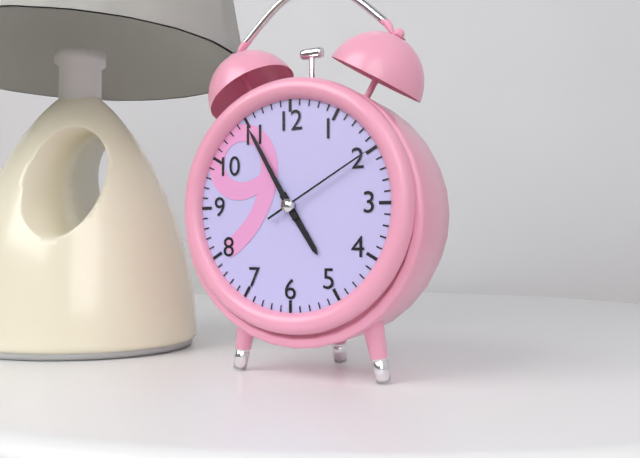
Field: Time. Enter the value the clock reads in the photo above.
4:55:10
